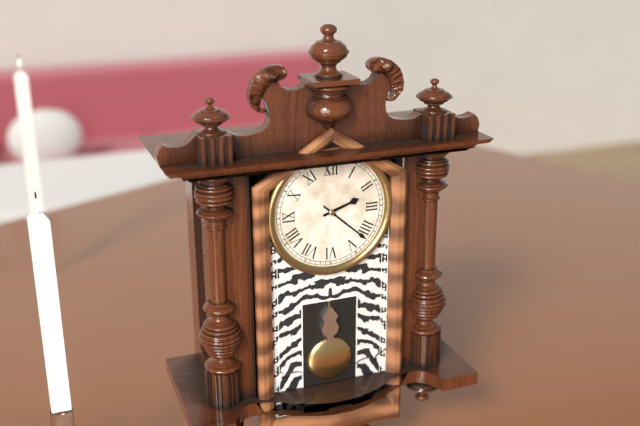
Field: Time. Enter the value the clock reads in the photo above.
2:22
